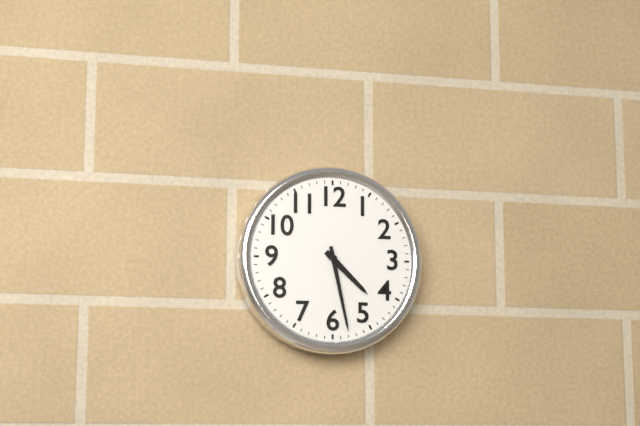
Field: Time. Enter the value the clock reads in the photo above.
4:28
